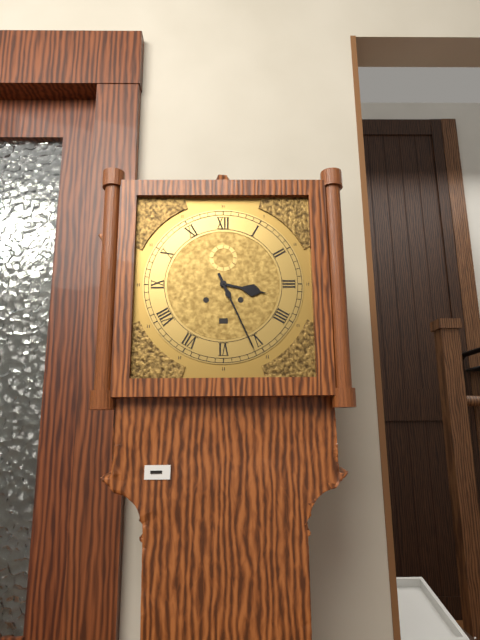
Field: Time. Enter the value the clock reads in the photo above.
3:26
